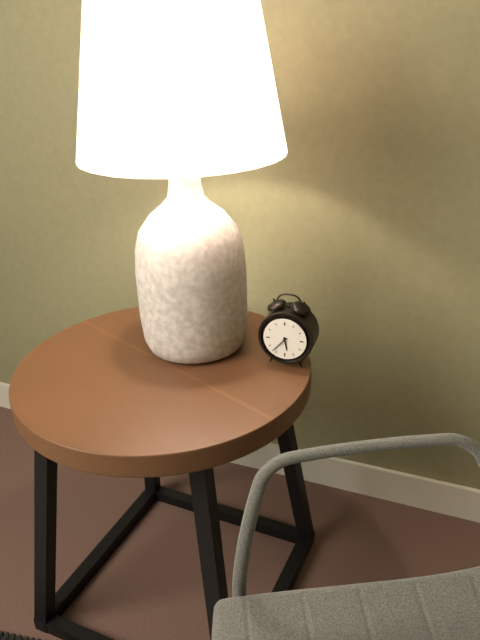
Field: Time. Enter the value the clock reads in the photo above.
5:37
